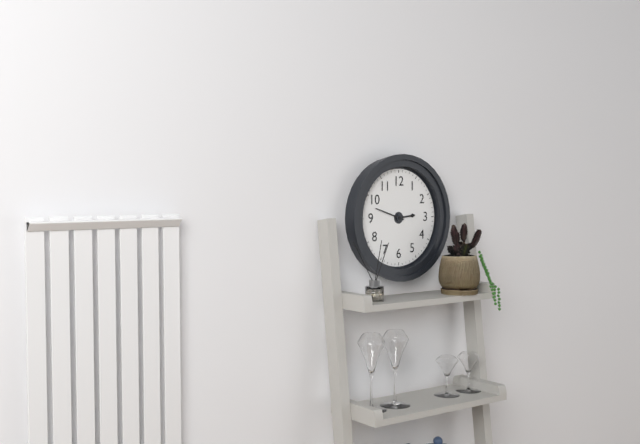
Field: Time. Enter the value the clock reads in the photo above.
2:48
